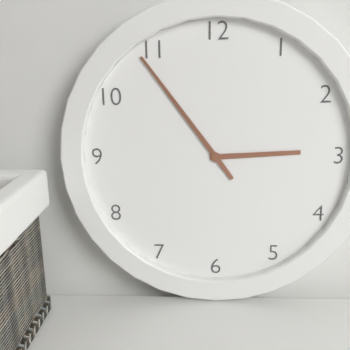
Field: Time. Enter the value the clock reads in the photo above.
2:54
